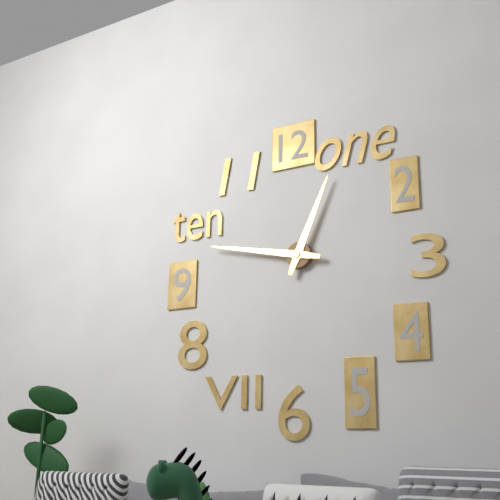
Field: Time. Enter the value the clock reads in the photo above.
12:47
